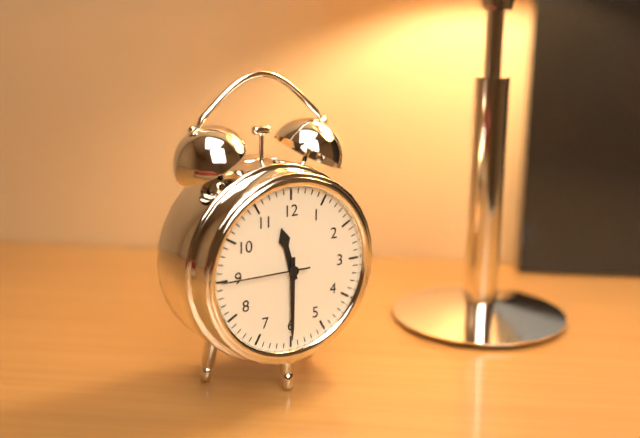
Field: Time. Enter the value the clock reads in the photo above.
11:30:45
